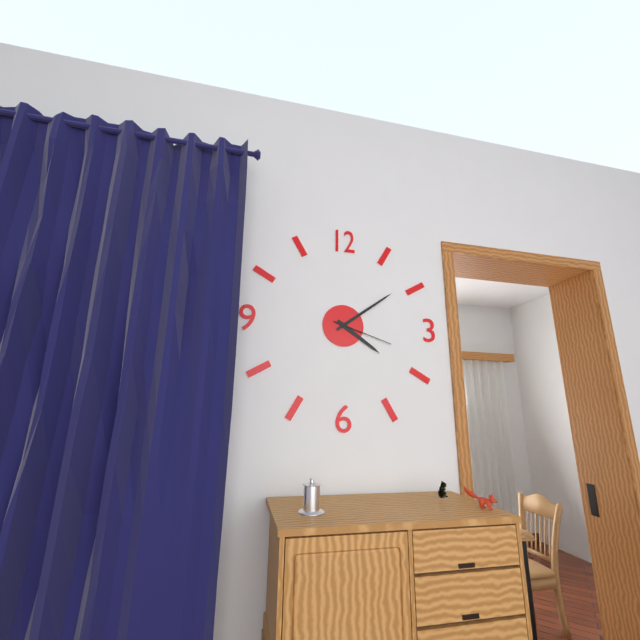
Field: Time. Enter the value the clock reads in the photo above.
4:09:18
